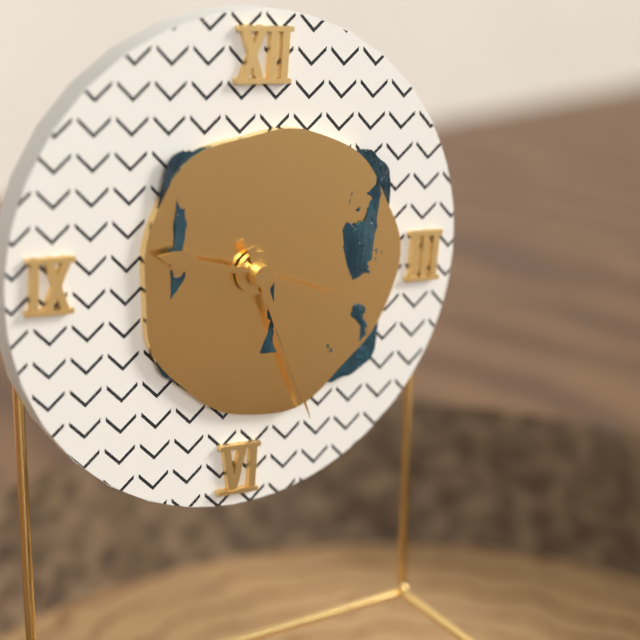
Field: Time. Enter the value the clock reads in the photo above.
9:26:18
